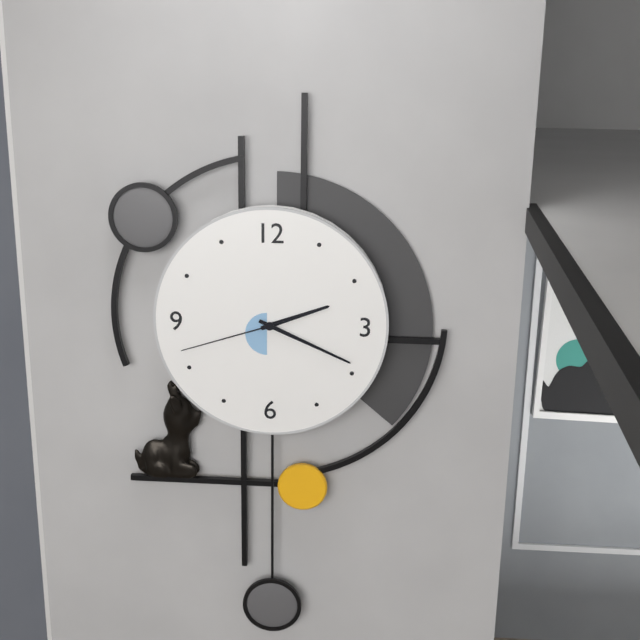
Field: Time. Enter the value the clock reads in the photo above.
2:19:42
